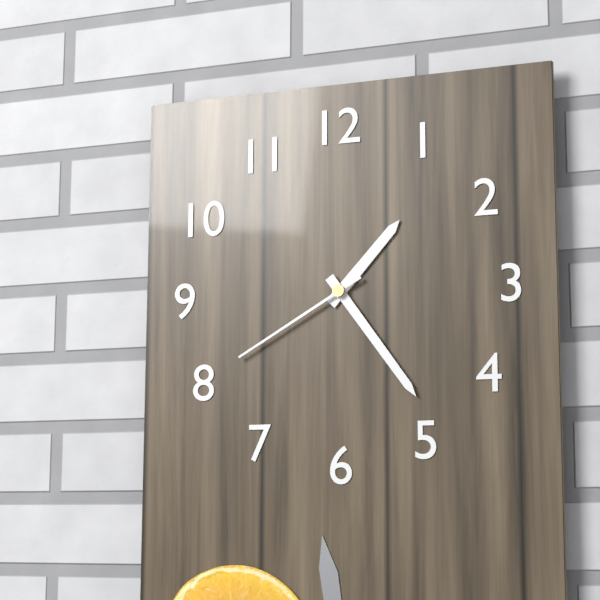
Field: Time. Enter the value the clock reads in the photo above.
1:24:40
